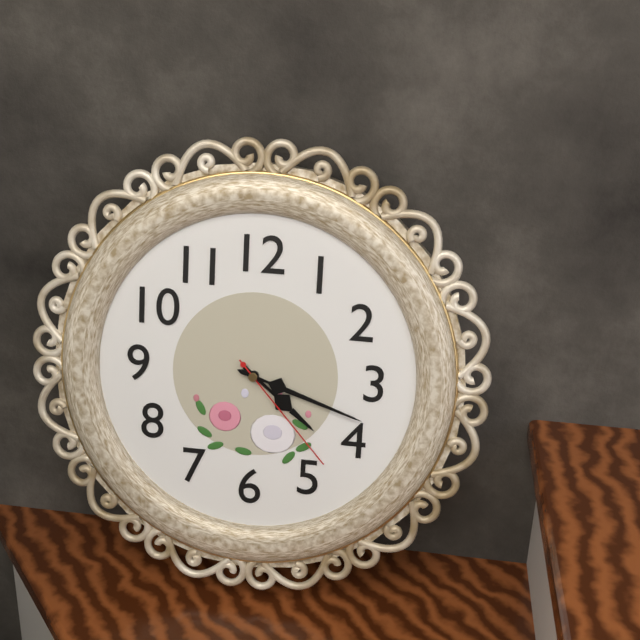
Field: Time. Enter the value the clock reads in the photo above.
4:18:23
